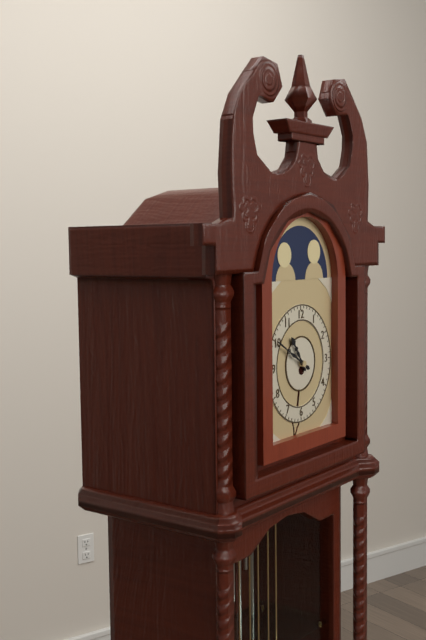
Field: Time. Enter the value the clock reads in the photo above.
10:50
